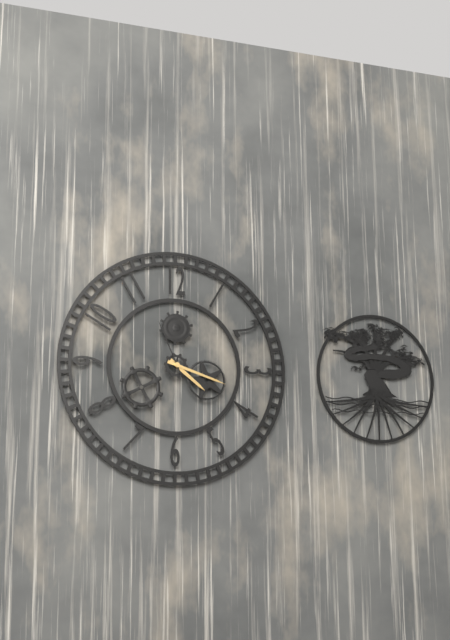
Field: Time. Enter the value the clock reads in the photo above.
4:18:56
